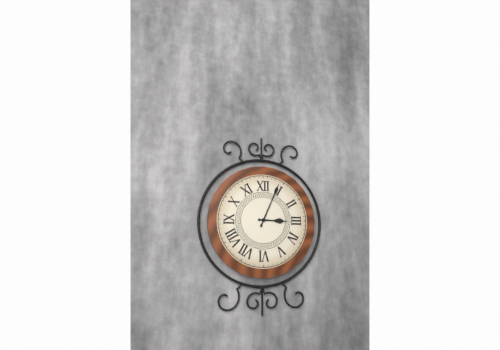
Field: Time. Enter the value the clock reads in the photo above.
3:04
